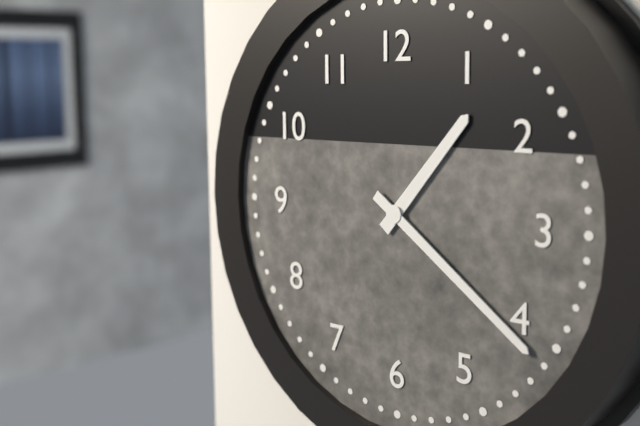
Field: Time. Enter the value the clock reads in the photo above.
1:21
